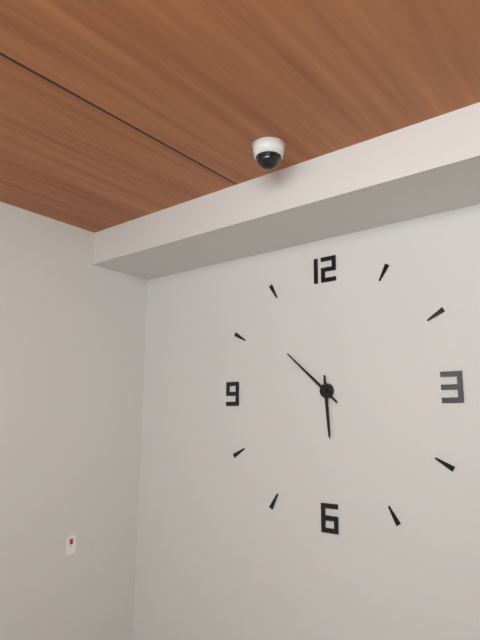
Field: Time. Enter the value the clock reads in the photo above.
5:52
